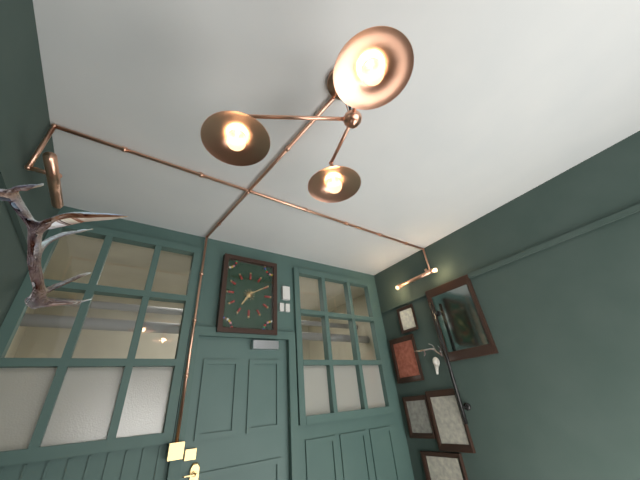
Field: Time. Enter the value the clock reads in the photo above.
7:10
